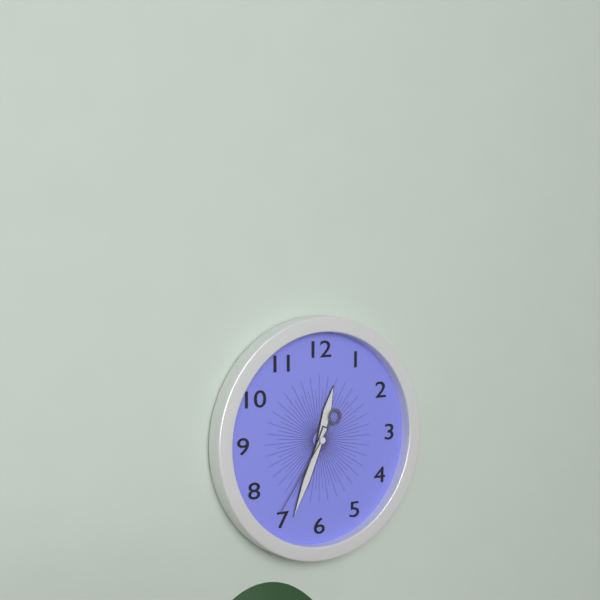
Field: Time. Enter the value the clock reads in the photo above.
12:34:36
